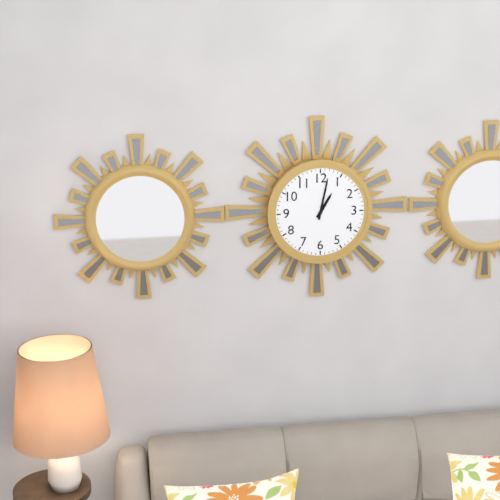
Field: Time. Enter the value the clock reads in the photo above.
1:02
